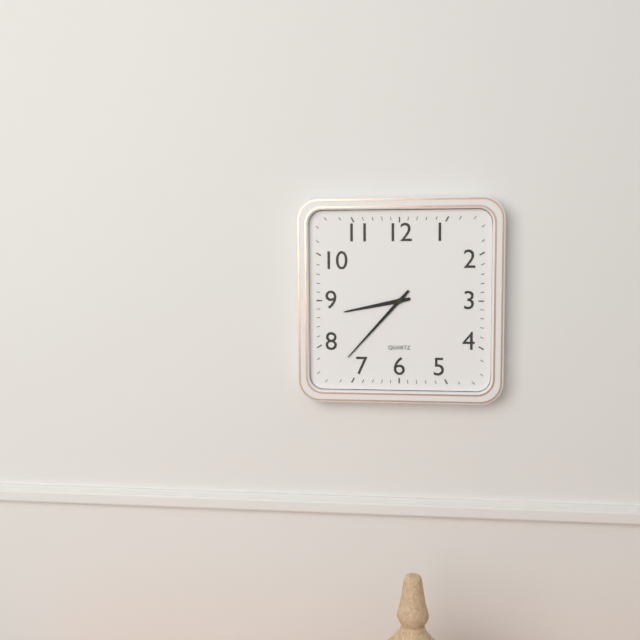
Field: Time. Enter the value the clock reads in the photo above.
8:37
